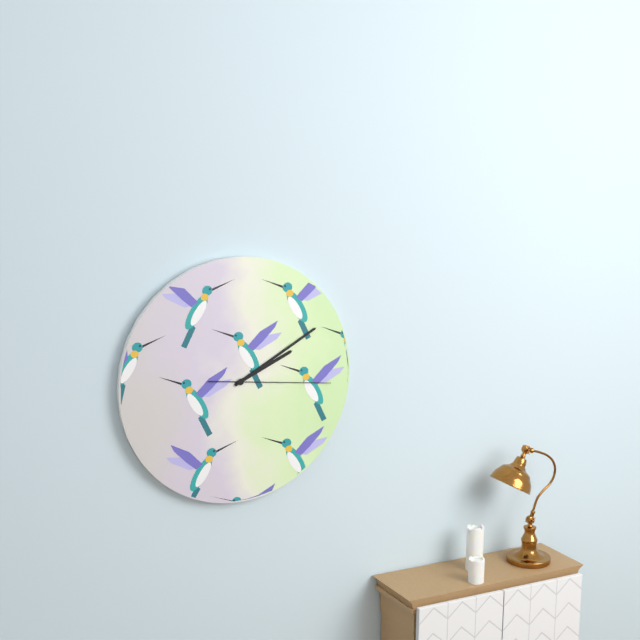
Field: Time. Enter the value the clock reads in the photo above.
2:10:16
